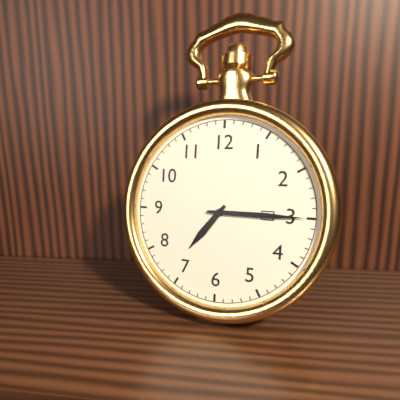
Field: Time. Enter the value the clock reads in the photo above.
7:15
